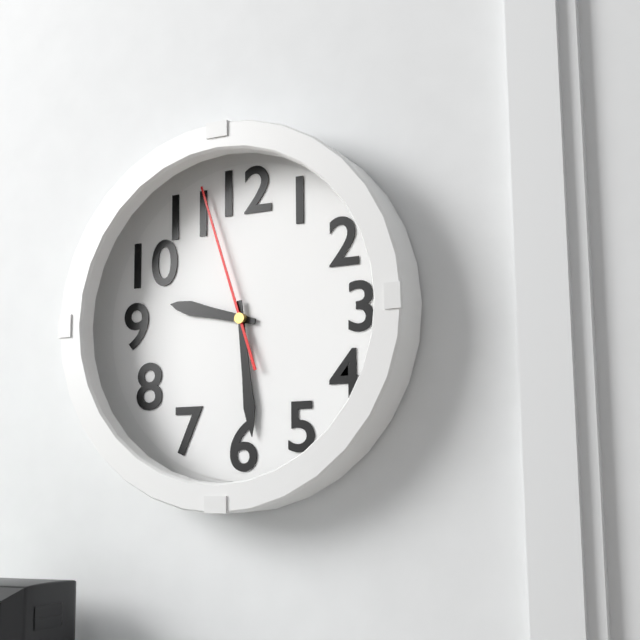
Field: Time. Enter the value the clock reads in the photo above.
9:29:57
